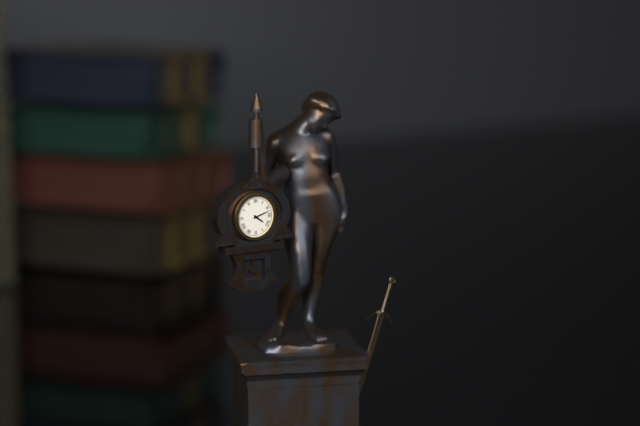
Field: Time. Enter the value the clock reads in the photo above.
4:12
